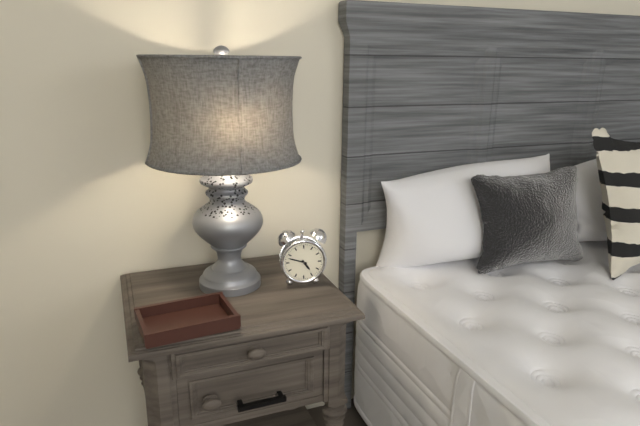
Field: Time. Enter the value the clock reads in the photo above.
4:48
